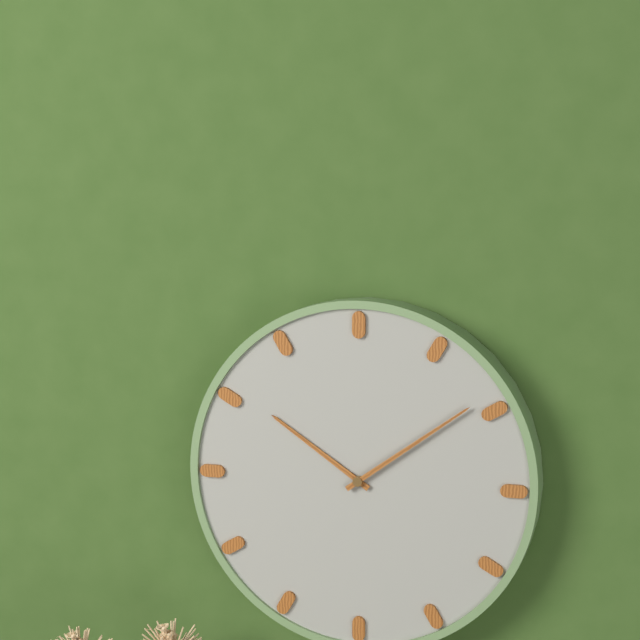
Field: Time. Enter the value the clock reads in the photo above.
10:09
